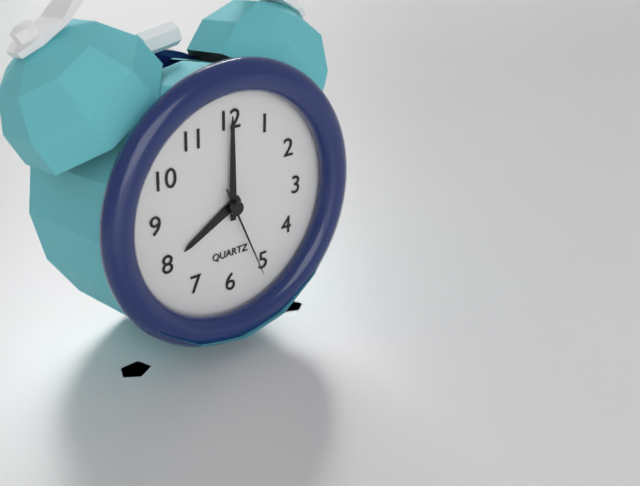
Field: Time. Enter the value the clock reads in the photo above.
8:00:26
